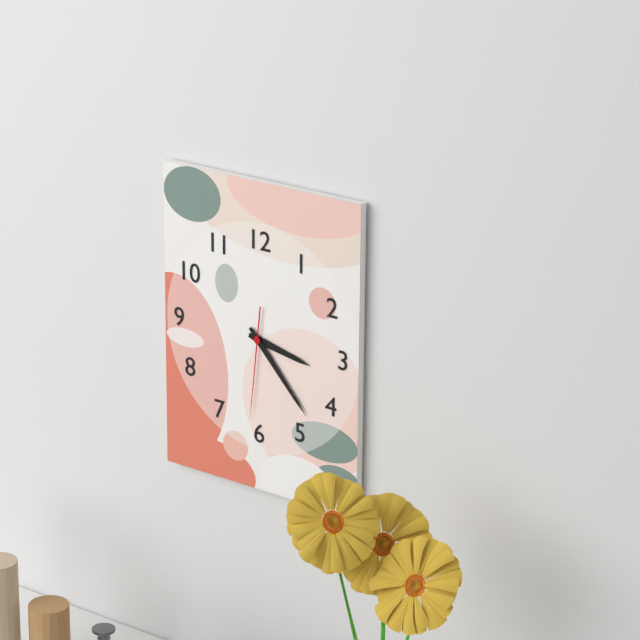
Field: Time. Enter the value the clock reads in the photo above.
3:23:31
